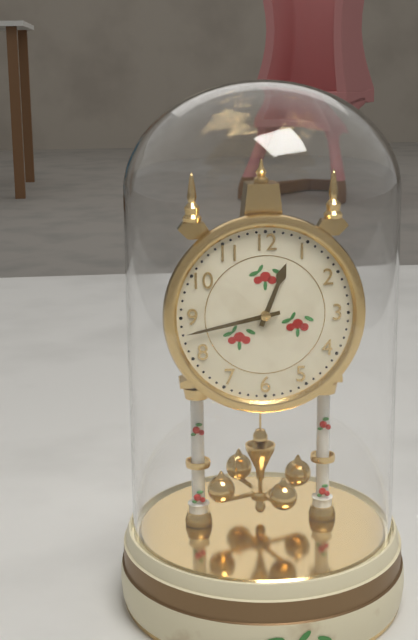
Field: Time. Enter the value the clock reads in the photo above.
12:43
